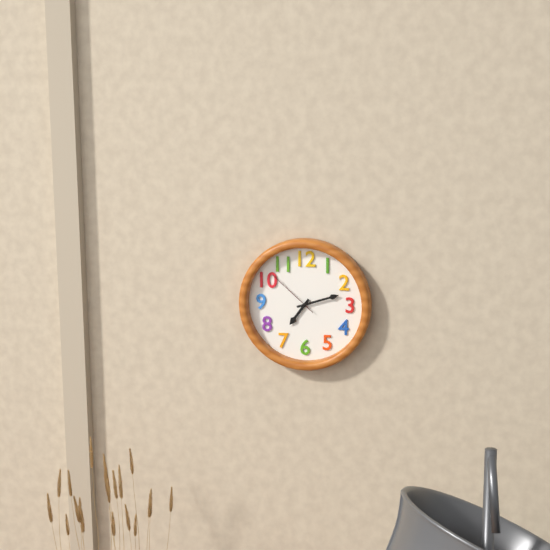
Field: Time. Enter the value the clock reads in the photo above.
7:12:52
